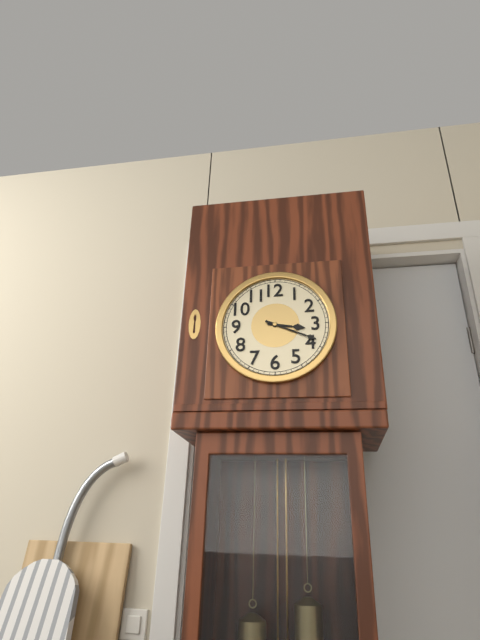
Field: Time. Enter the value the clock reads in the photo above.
3:19
